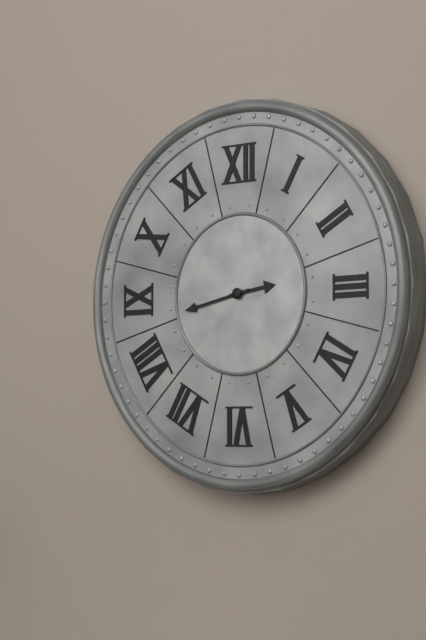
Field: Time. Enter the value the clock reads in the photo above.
2:43
